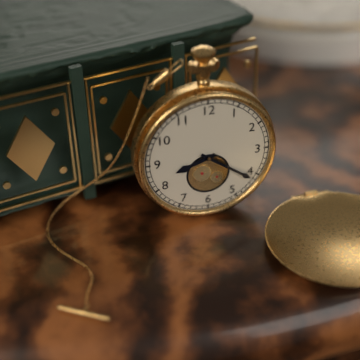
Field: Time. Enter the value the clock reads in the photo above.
8:21
